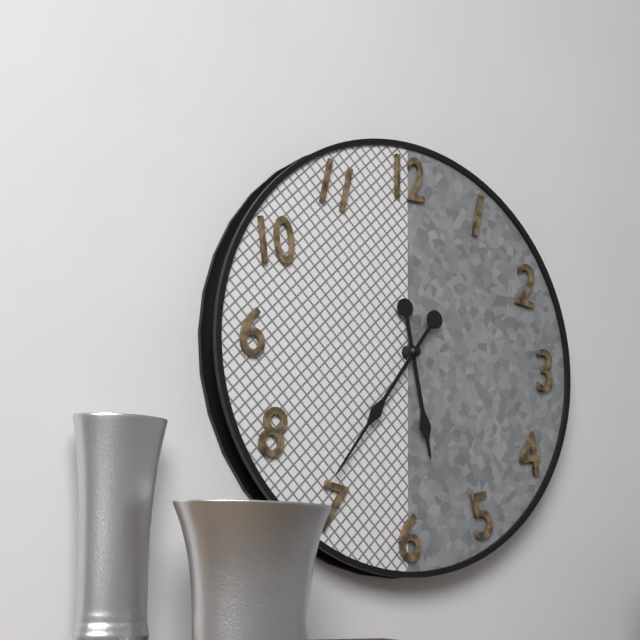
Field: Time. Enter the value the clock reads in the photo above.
5:36
